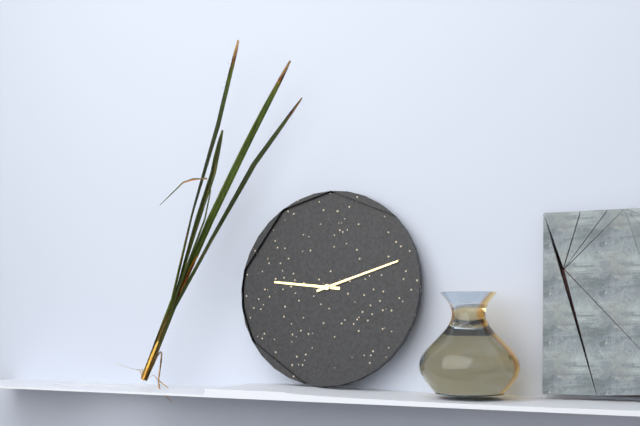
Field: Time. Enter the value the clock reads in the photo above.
9:12
